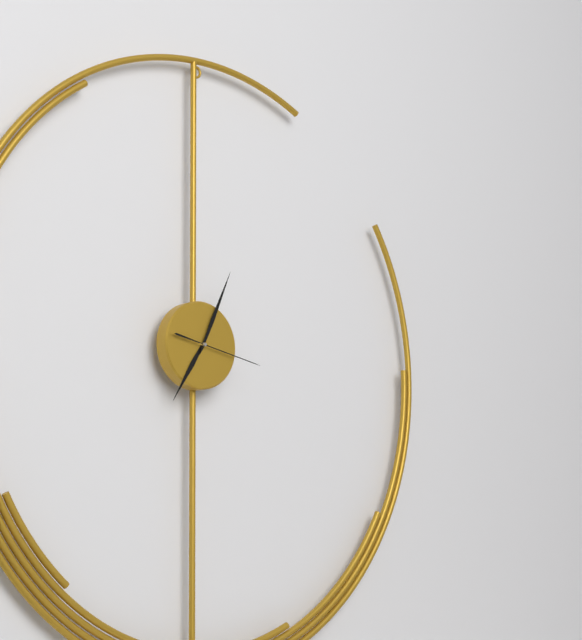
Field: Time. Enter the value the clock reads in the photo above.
7:04:17
